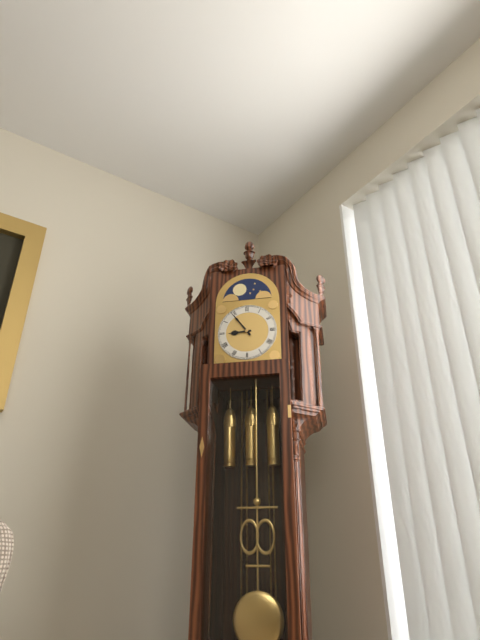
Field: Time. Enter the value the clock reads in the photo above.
8:54
